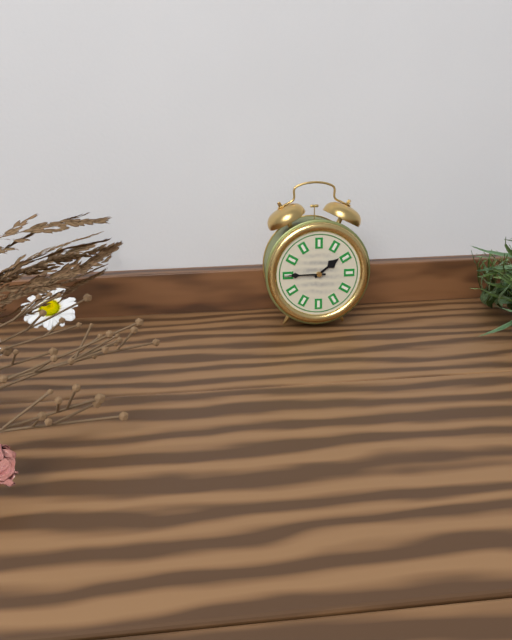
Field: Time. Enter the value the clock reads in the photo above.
1:45
